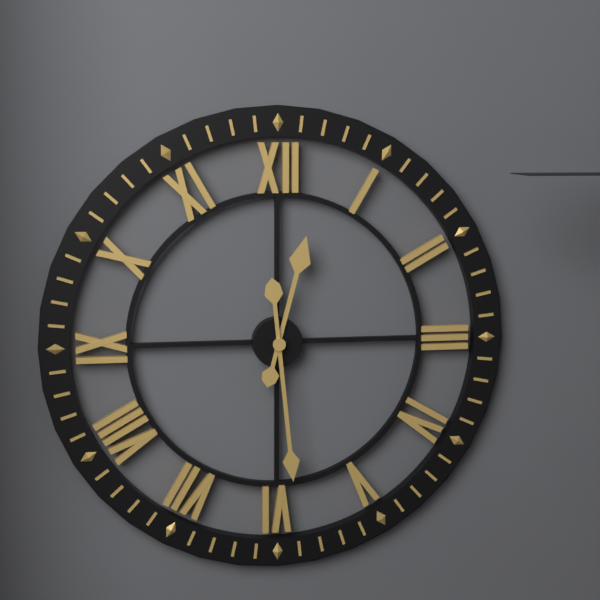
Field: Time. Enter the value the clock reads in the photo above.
12:29
